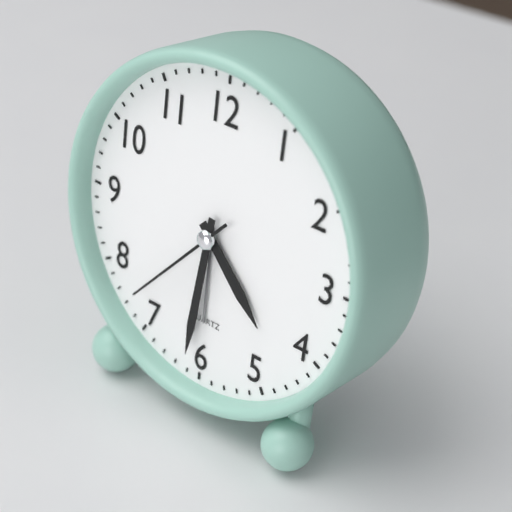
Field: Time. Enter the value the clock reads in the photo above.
4:31:37
